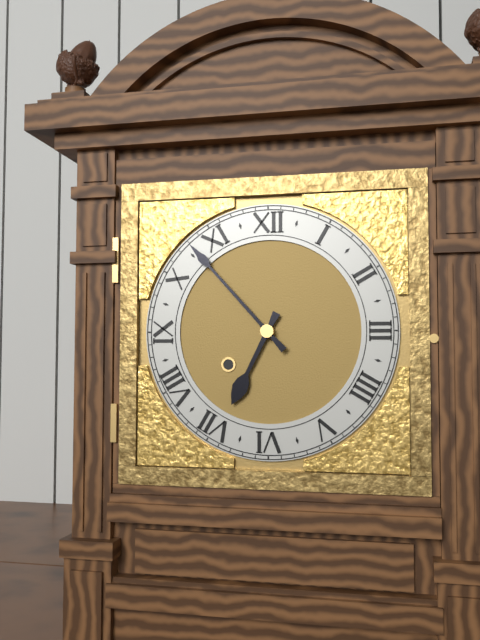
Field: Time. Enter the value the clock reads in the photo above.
6:53
